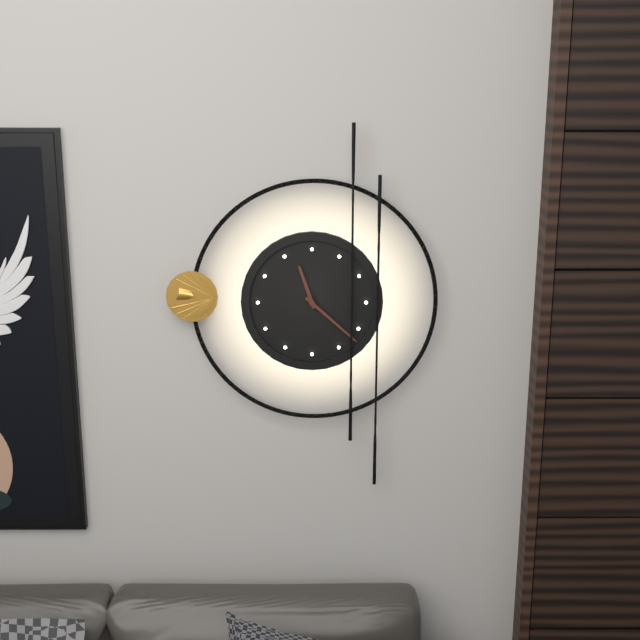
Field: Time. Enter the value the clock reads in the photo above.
11:22
